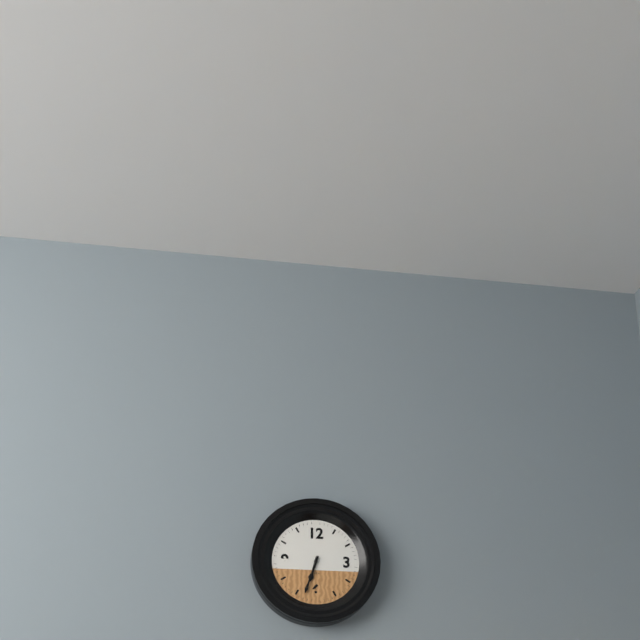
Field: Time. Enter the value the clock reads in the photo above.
6:33
